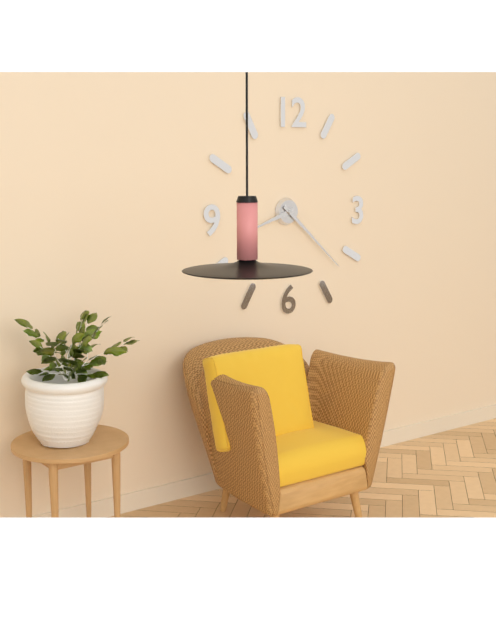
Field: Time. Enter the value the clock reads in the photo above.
8:22
